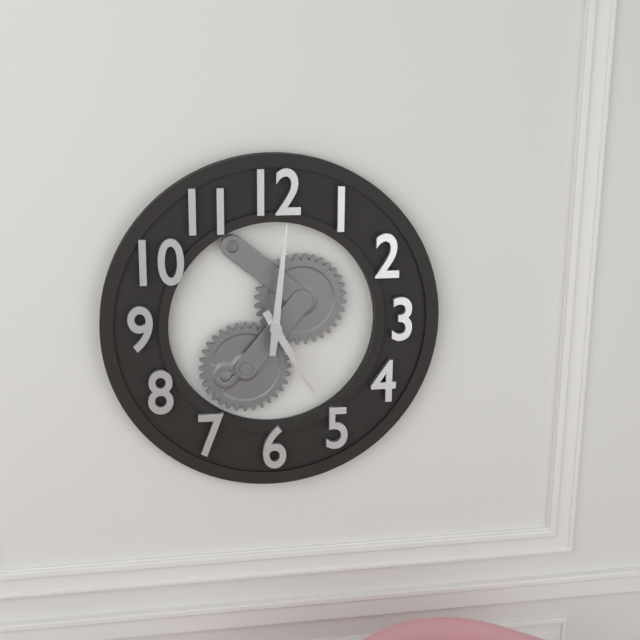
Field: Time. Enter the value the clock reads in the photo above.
5:01
